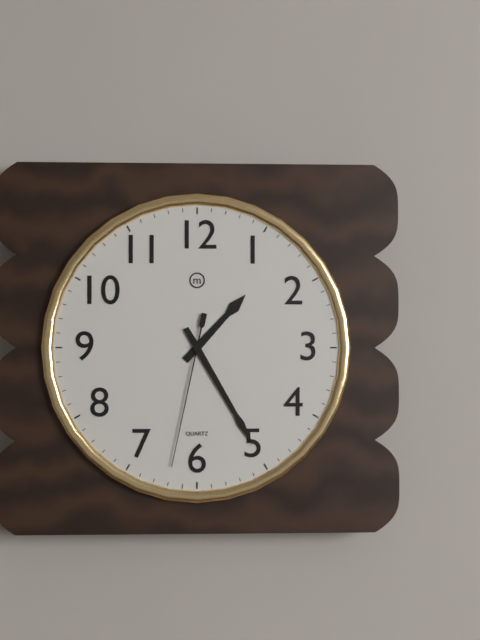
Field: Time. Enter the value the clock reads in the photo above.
1:25:32
